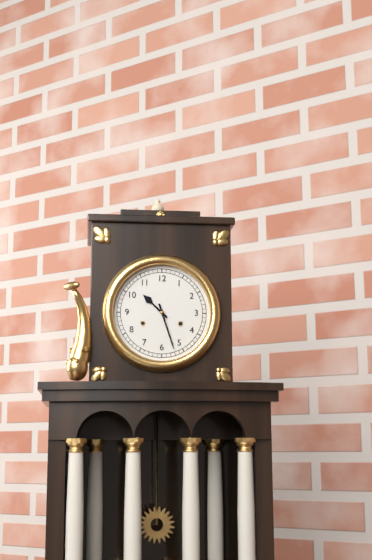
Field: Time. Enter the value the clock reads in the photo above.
10:27
